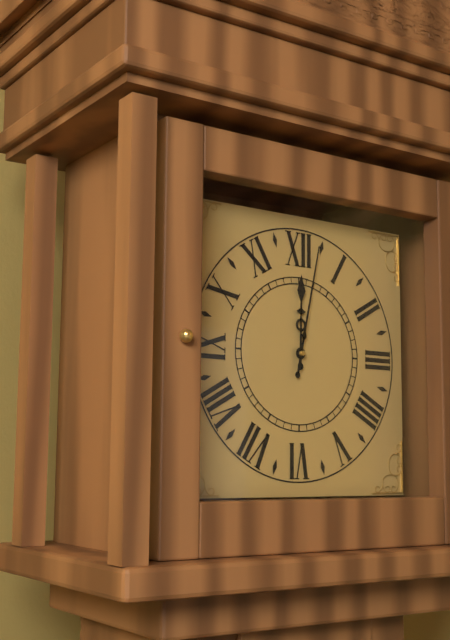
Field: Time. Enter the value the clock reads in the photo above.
12:02
